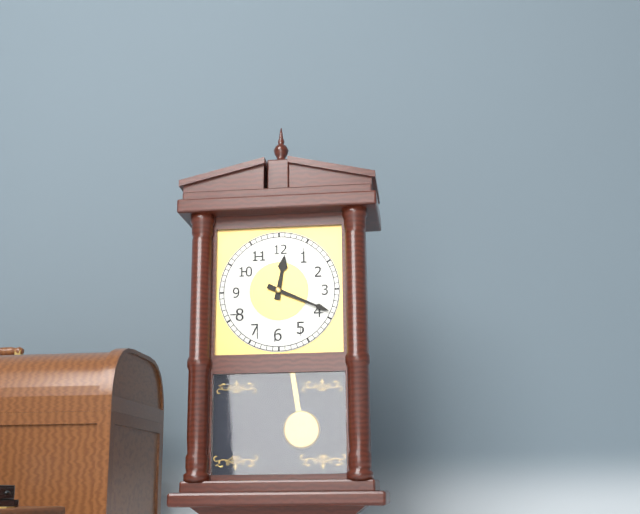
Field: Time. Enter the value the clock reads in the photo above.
12:19
